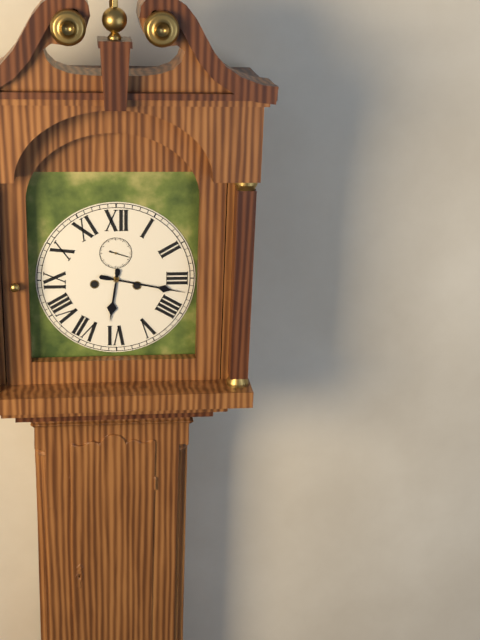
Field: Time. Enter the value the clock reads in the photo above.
6:17
